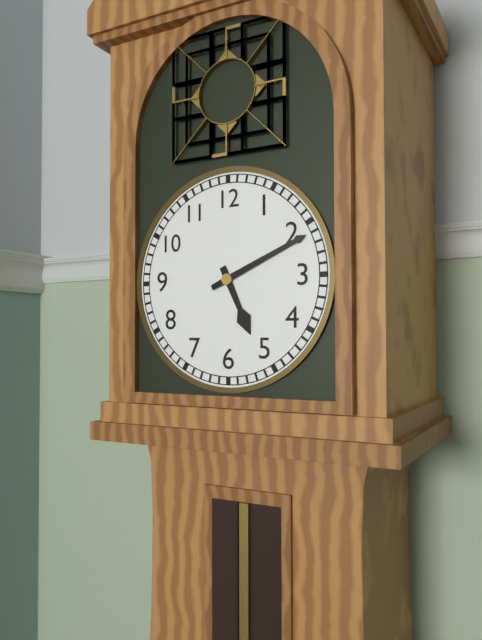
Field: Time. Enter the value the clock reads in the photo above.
5:11
